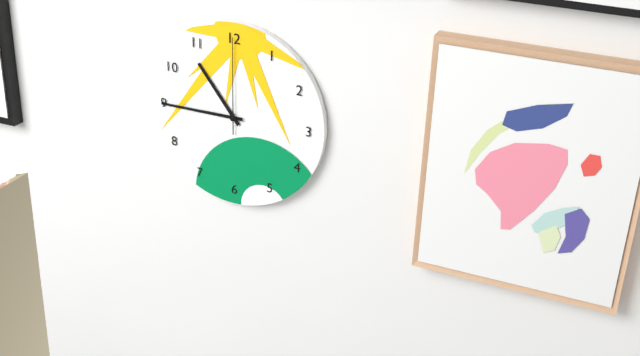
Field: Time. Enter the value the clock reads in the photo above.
10:45:00
